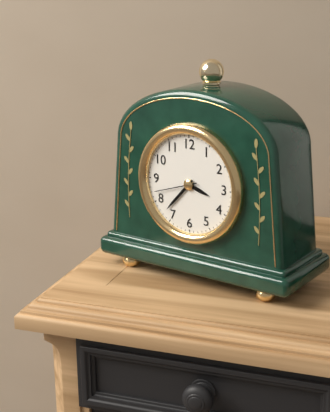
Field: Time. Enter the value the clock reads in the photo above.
3:37:42
